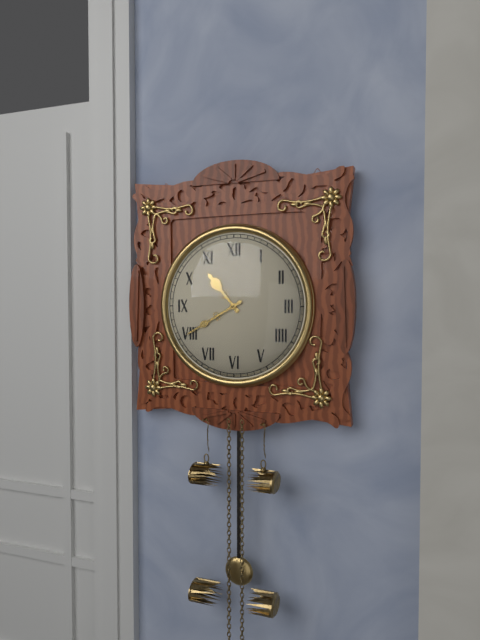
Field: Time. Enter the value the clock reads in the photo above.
10:40
